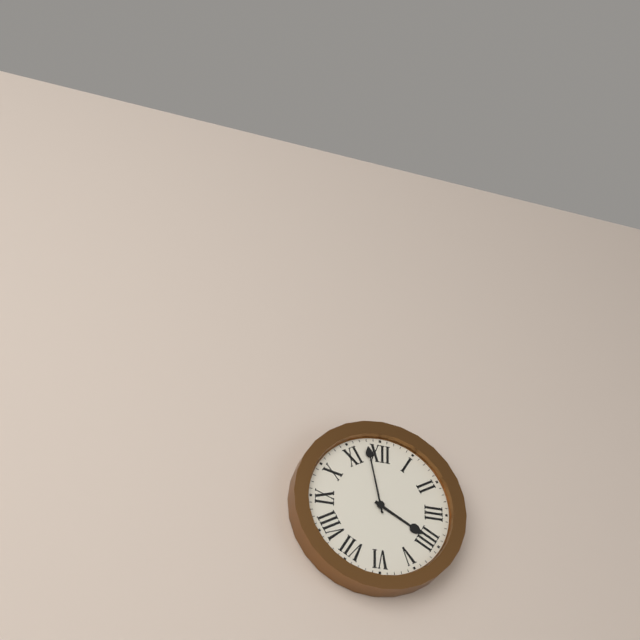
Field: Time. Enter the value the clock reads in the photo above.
3:58
